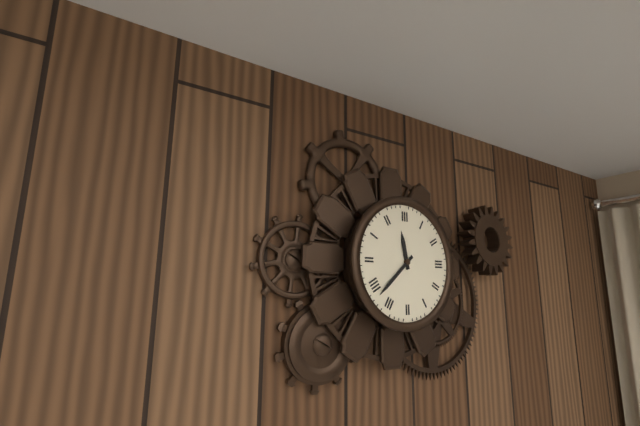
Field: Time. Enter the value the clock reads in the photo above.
11:38
